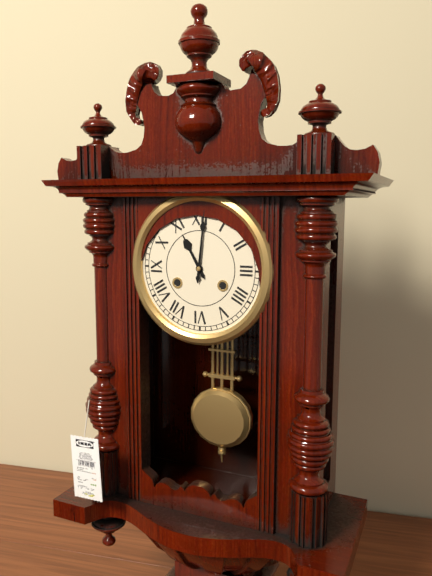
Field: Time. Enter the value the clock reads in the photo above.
11:01
